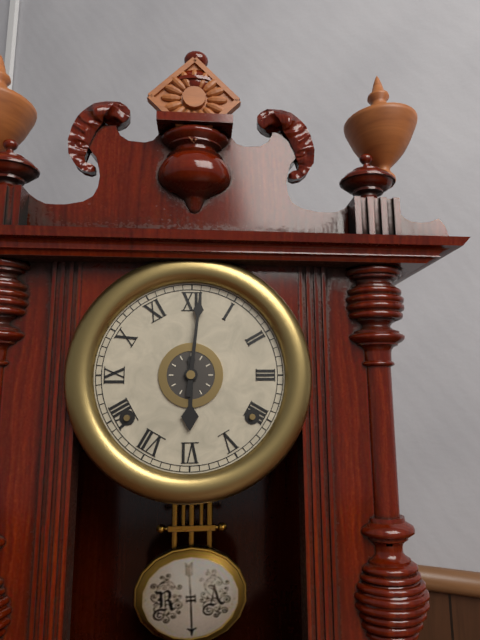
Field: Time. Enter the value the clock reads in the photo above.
6:01
